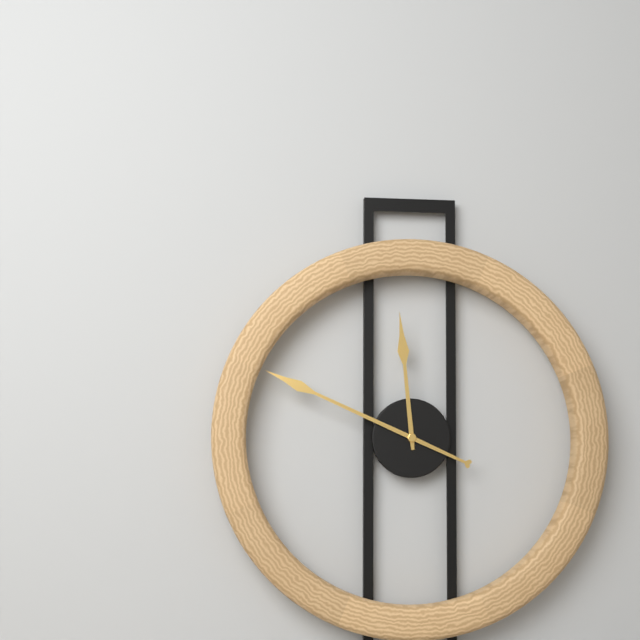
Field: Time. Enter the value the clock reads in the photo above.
11:49
